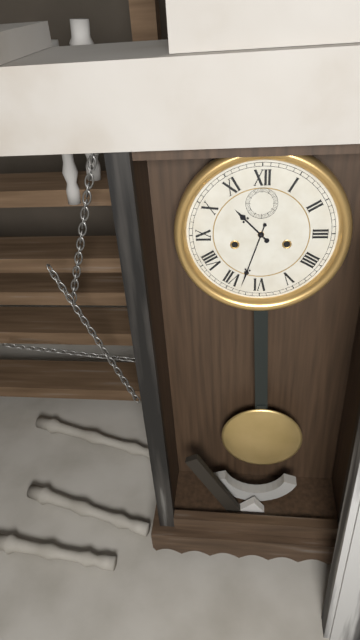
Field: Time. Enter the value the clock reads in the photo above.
10:33
